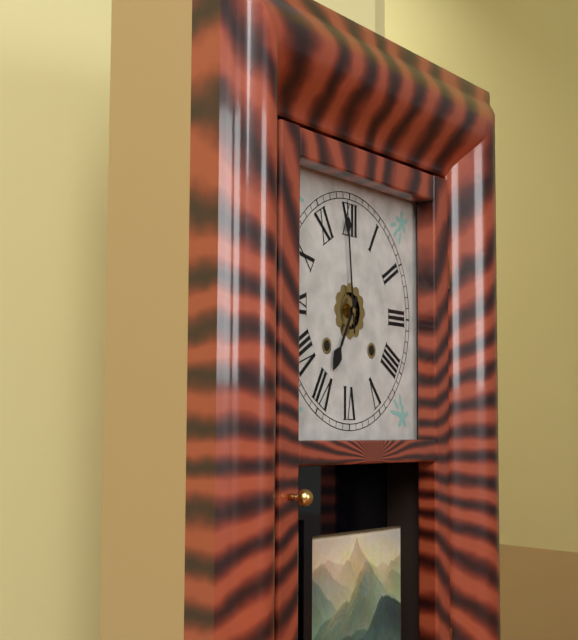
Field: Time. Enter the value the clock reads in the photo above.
6:59
